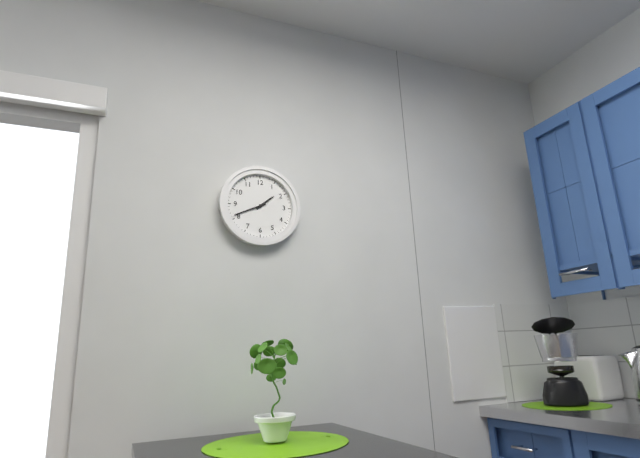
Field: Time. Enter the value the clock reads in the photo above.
1:41
